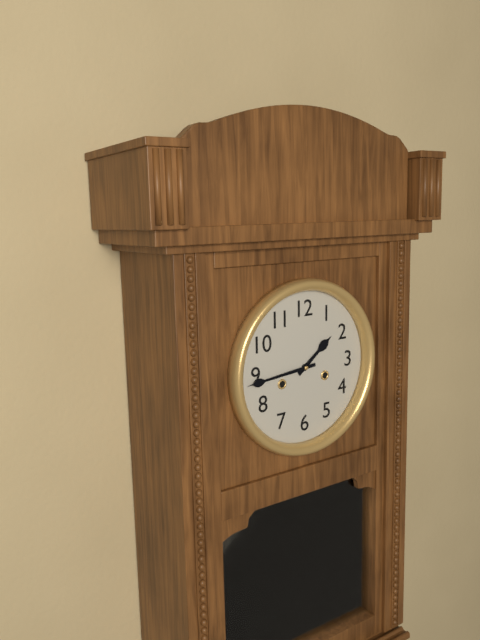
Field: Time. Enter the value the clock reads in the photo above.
1:44
